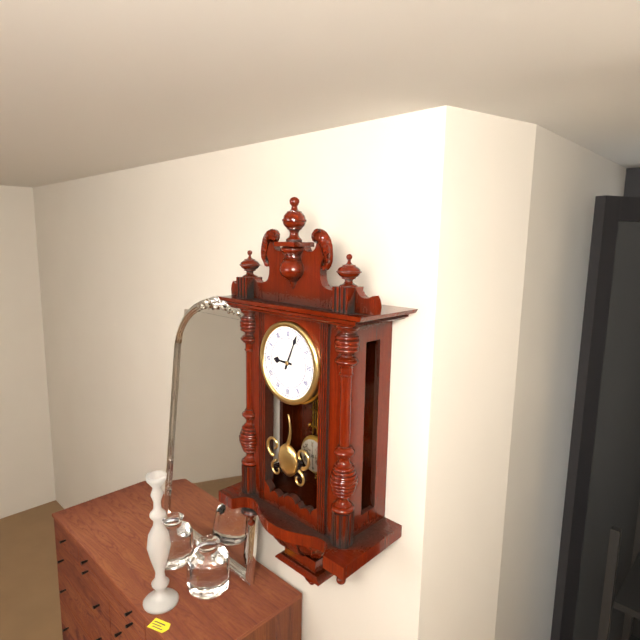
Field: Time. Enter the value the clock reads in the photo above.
9:04
